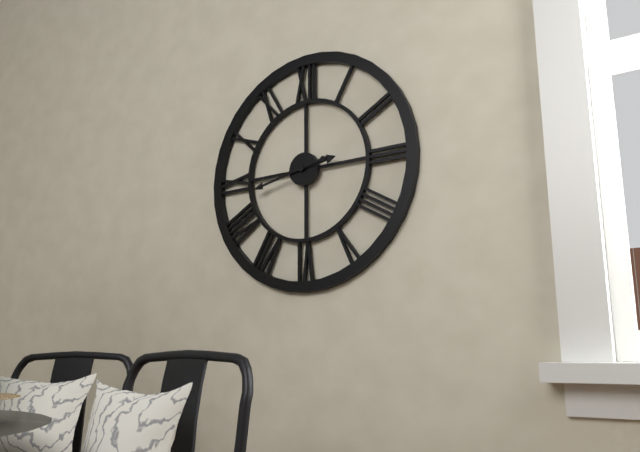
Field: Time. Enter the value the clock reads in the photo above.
2:43
